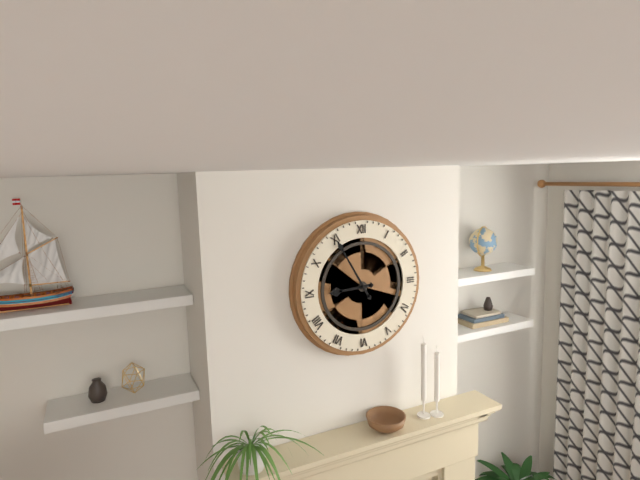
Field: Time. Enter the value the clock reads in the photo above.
8:55
